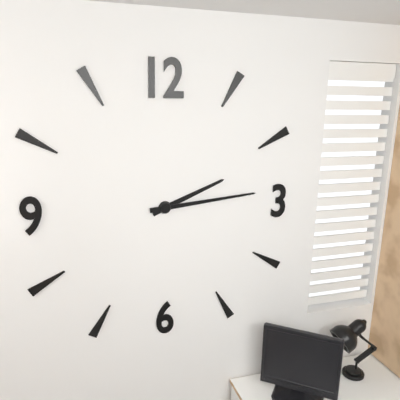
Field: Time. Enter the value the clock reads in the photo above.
2:14
